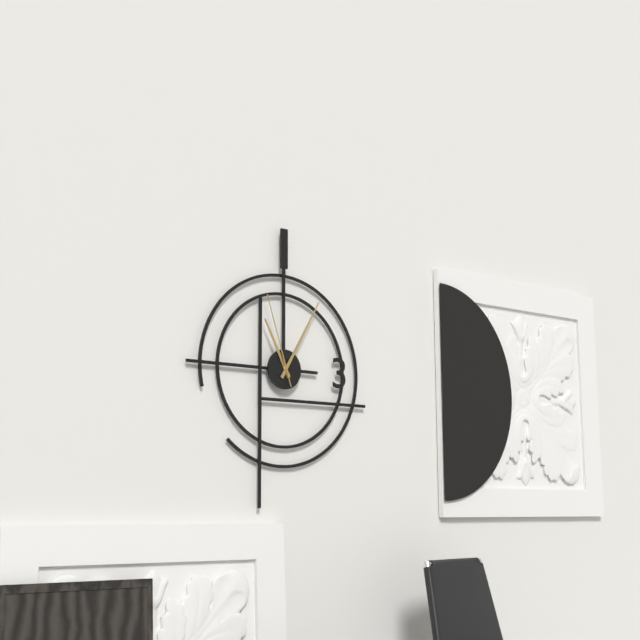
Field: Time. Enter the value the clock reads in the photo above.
11:05:57
